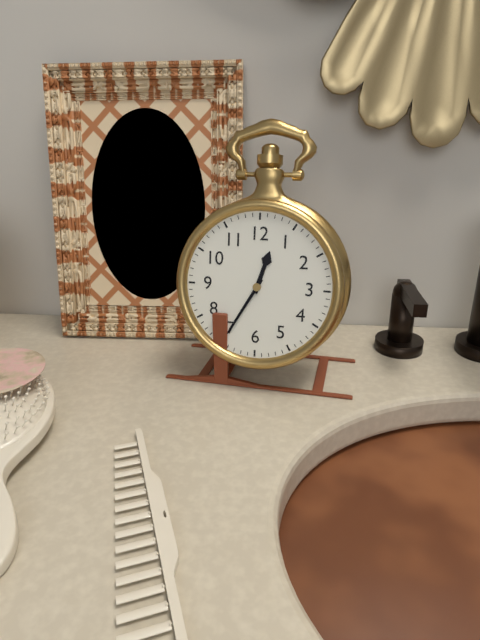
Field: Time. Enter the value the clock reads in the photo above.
12:35
